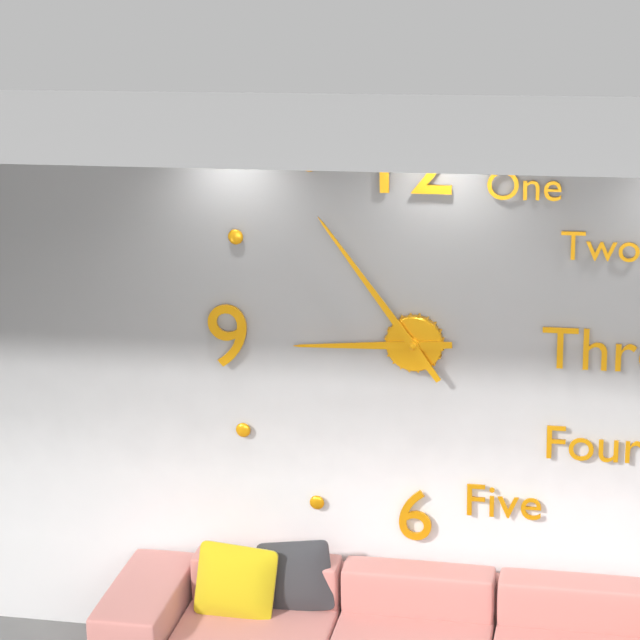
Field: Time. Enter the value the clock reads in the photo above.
8:54
